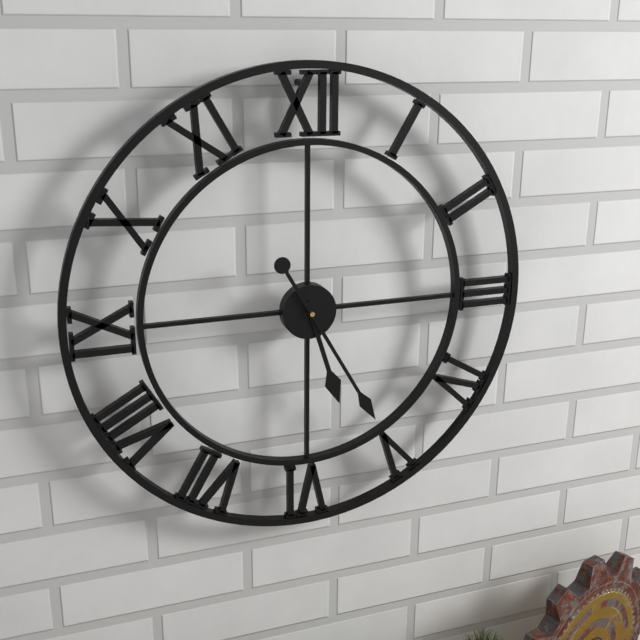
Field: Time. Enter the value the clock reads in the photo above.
5:25
